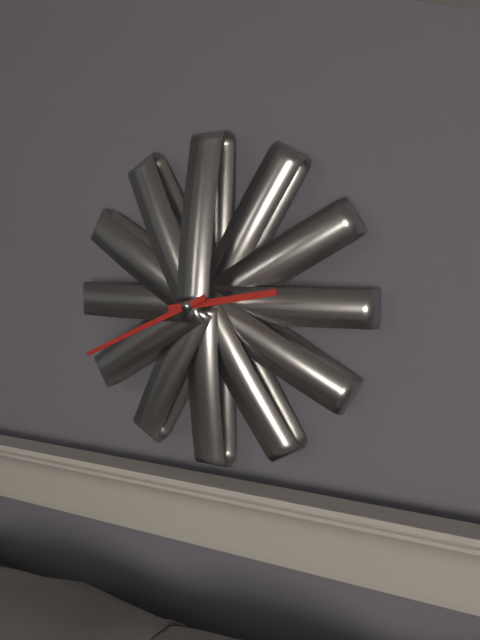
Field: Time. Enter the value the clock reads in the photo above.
2:41
